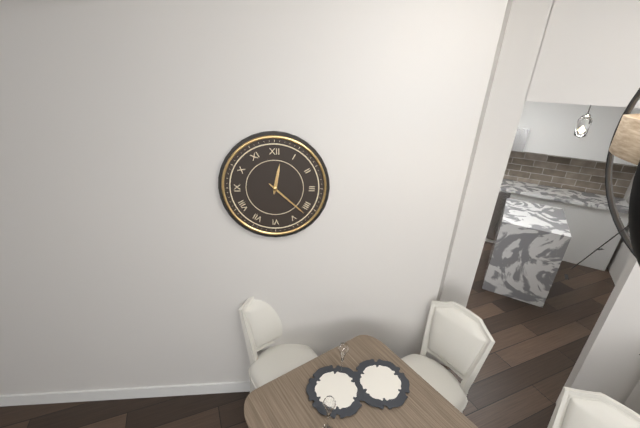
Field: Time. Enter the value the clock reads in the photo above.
12:22
